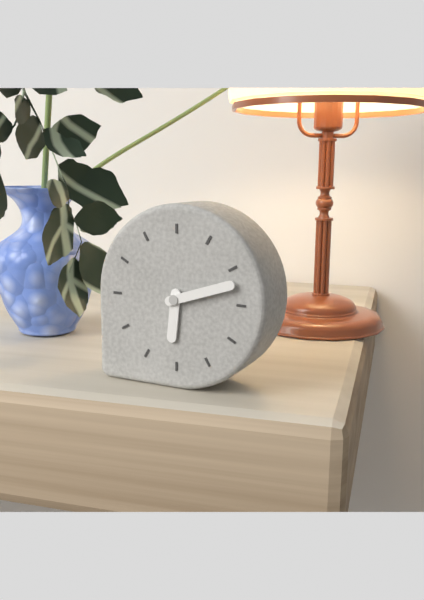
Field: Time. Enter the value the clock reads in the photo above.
6:12
